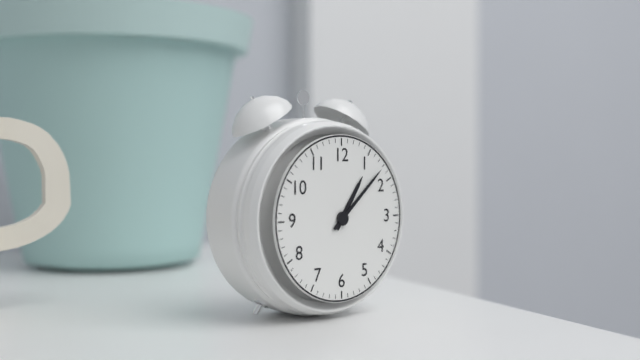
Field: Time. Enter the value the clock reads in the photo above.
1:08
